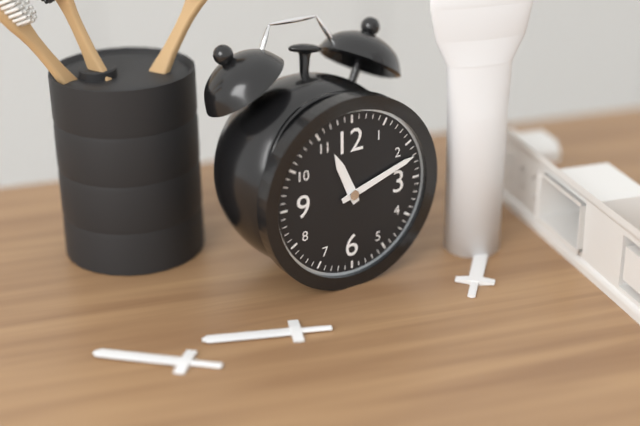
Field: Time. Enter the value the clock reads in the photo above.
11:12
